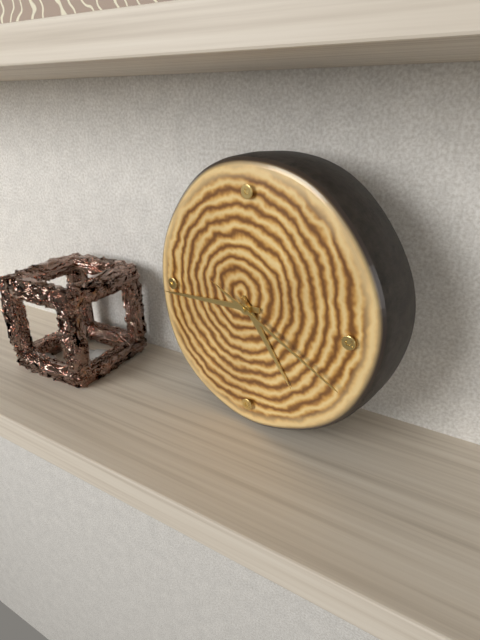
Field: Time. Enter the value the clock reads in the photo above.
4:44:19
